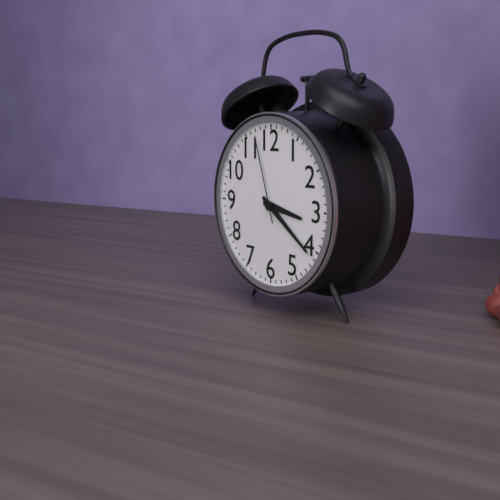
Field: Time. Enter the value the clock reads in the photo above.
3:21:57
